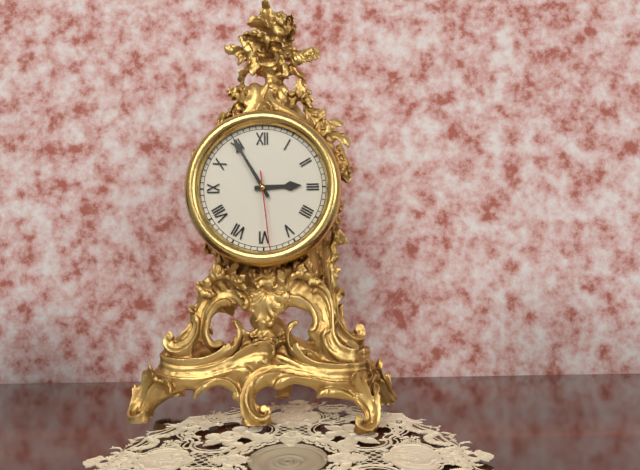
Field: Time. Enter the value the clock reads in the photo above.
2:55:29
